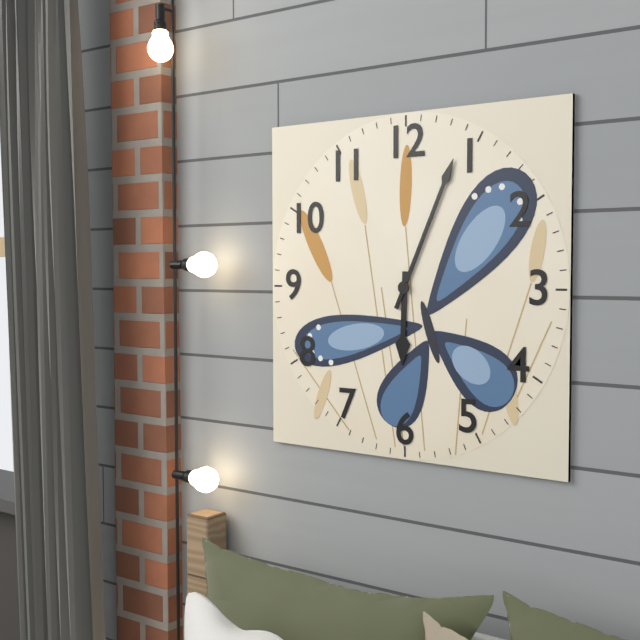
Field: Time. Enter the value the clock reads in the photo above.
6:04
